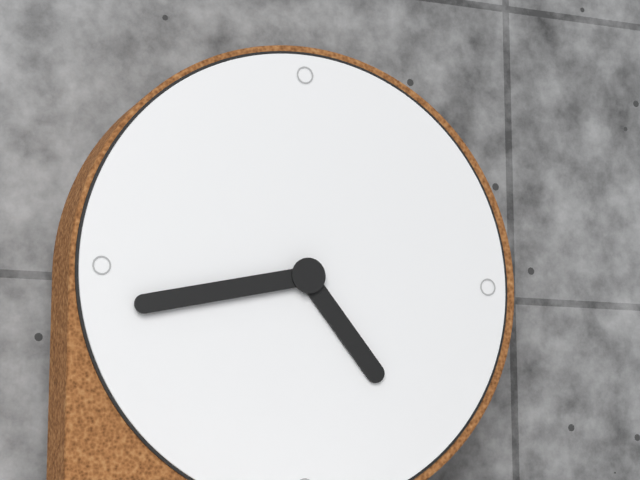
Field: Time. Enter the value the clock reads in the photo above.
4:43
